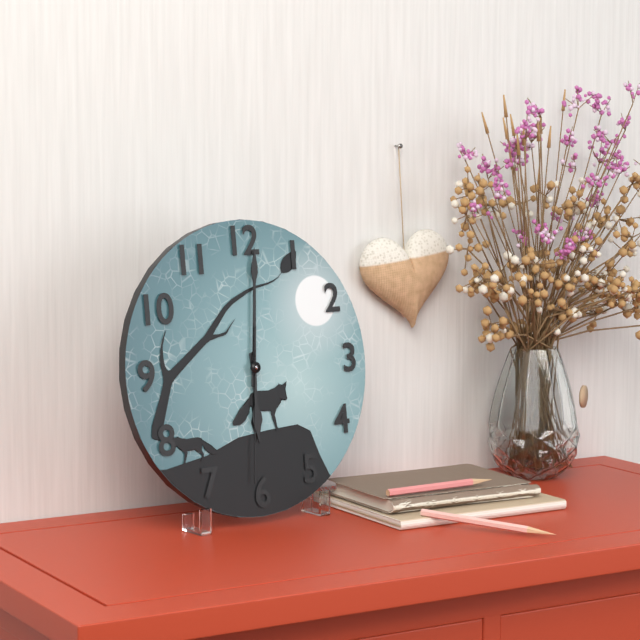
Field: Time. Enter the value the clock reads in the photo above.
6:01:31
